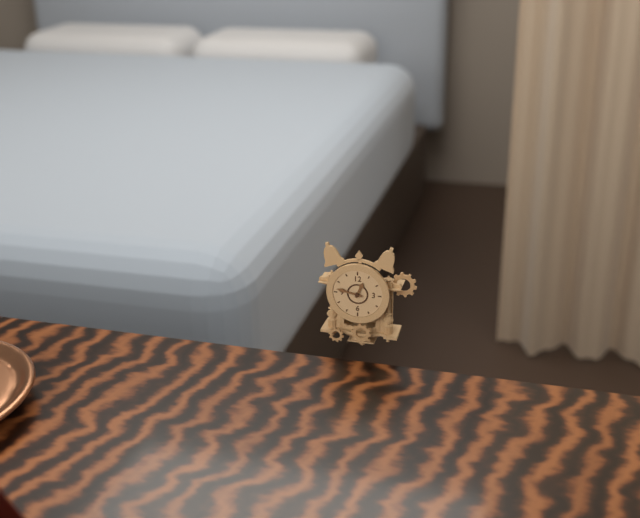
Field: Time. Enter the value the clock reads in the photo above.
12:47
